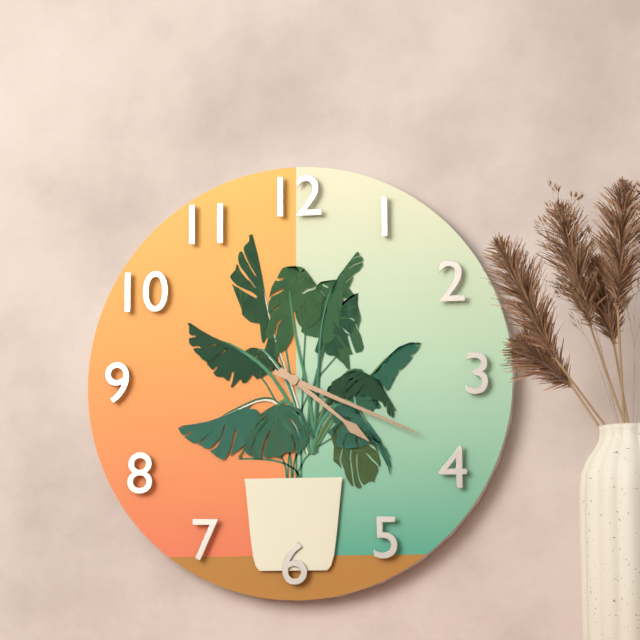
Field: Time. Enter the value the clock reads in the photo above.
4:19
